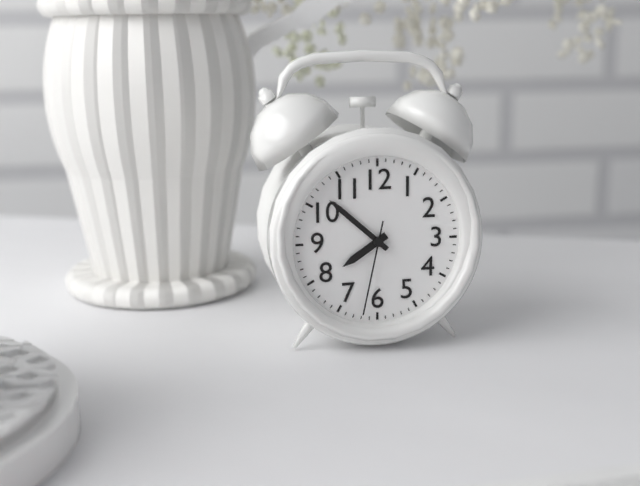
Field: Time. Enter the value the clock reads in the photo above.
7:52:32
